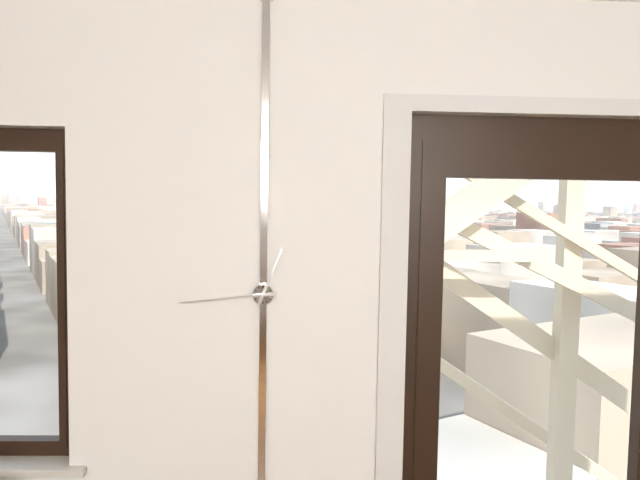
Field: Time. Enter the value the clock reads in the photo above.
12:44
